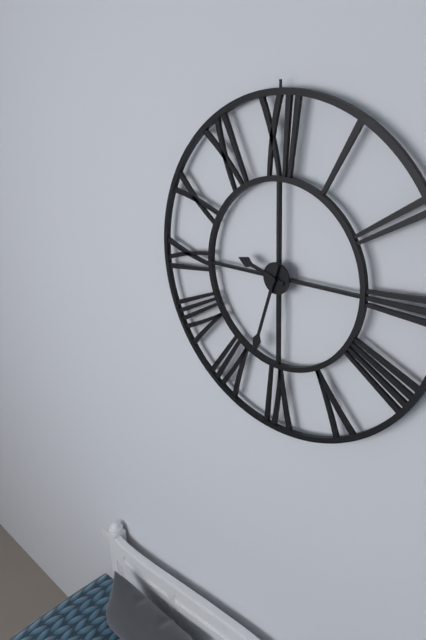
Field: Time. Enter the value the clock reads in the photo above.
9:33
